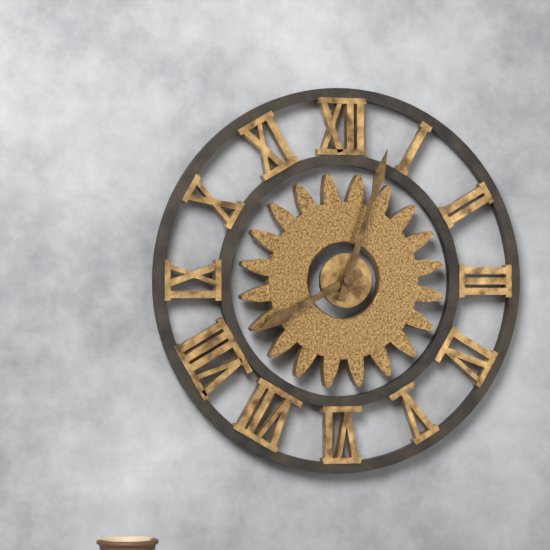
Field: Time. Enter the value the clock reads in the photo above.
8:03
